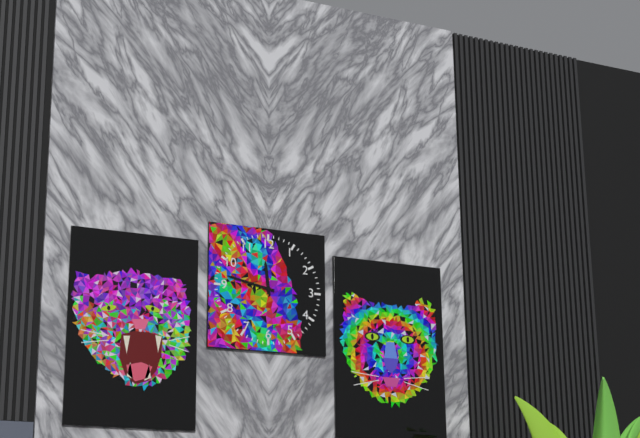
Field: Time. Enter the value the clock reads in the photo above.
11:47
